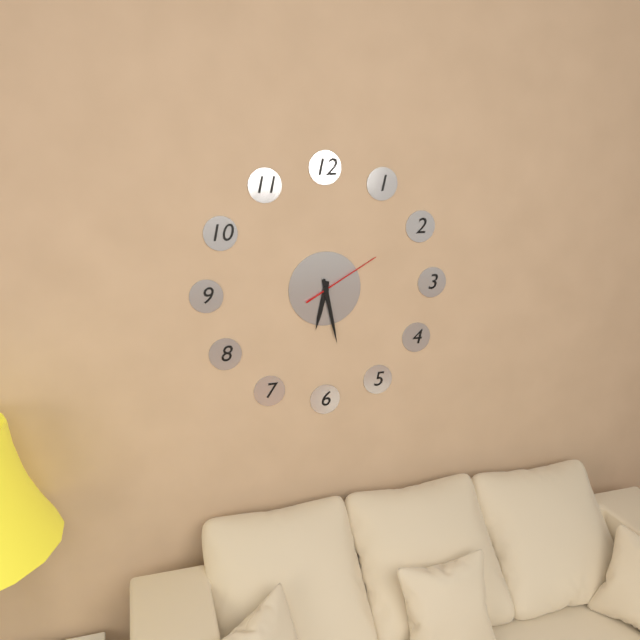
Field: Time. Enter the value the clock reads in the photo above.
6:28:10
